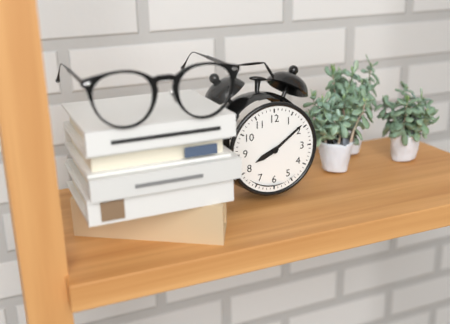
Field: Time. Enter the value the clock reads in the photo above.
8:09
